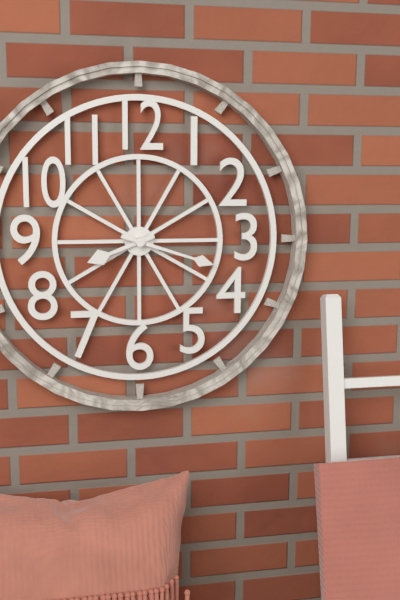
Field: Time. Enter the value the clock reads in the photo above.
8:18
